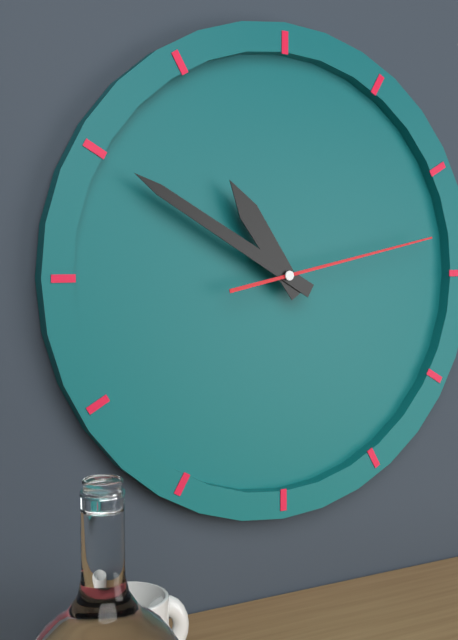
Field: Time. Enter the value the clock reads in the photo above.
10:50:13
